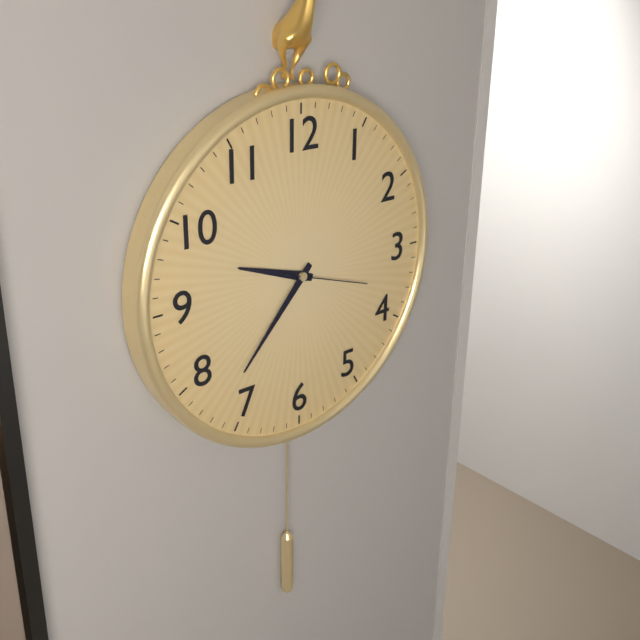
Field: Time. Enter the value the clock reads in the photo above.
9:37:18
